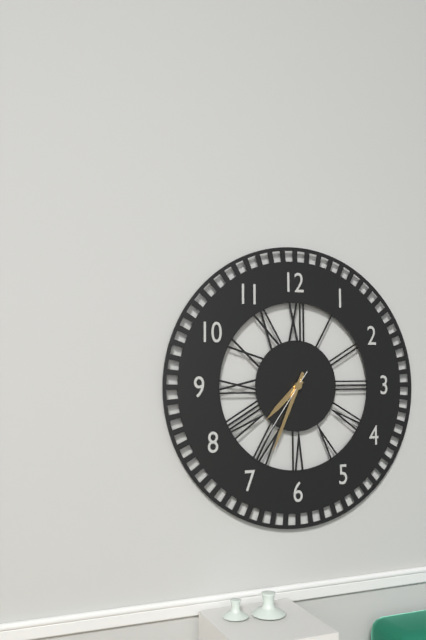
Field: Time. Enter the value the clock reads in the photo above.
7:34:36
